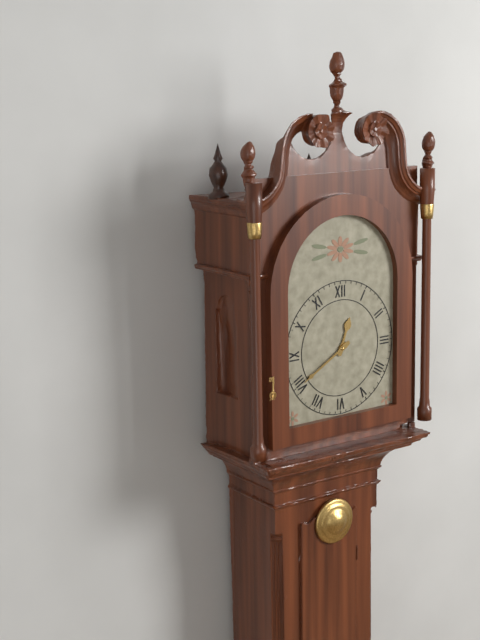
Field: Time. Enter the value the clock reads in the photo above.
12:40
